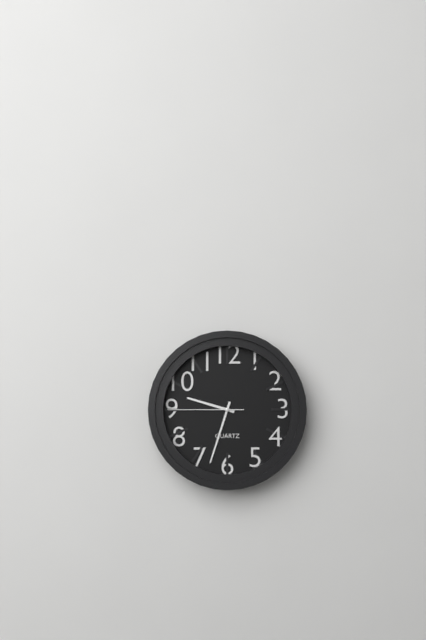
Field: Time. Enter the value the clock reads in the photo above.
9:33:45
